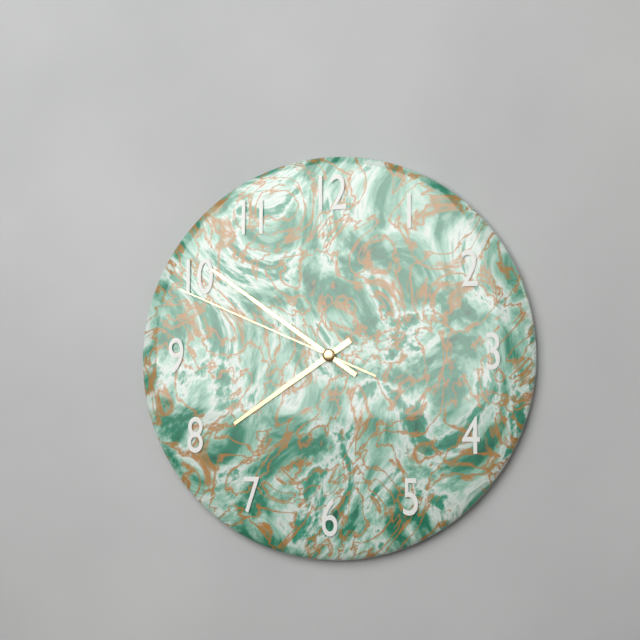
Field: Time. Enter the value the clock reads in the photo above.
7:51:49
